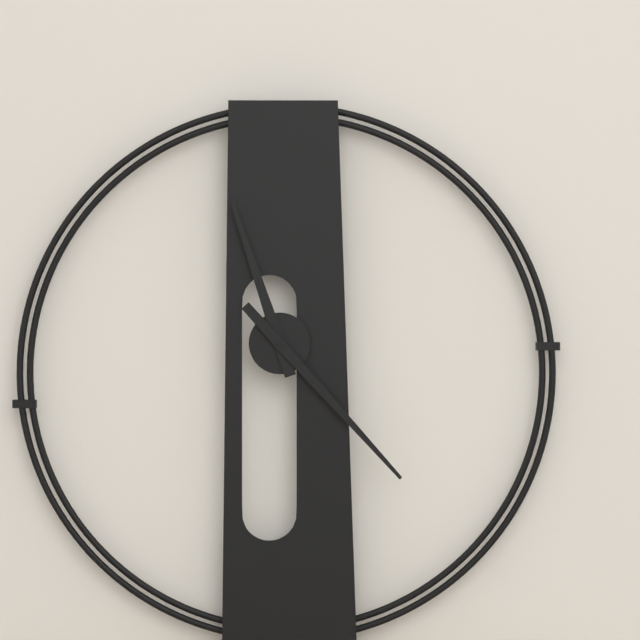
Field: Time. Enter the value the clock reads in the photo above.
11:23
